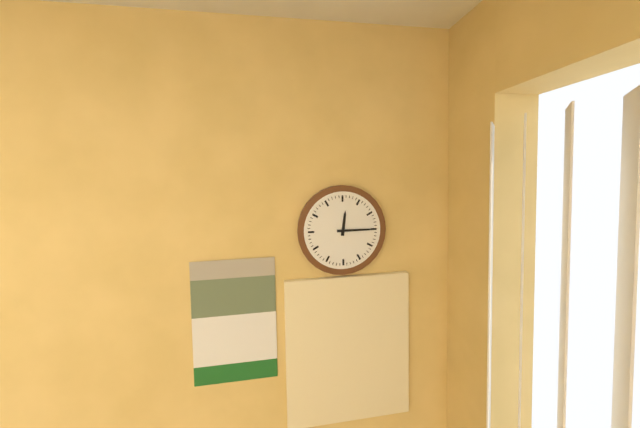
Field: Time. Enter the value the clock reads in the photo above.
12:15
